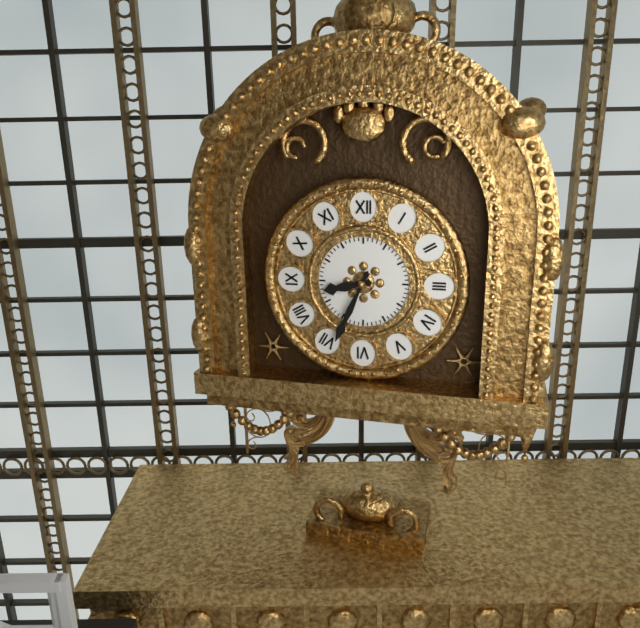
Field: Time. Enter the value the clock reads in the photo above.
8:34
